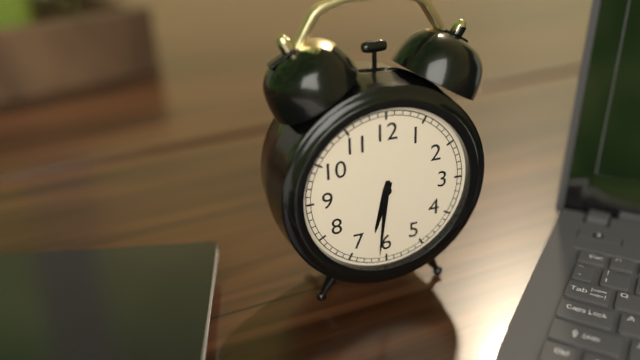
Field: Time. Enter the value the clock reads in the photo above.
6:31
